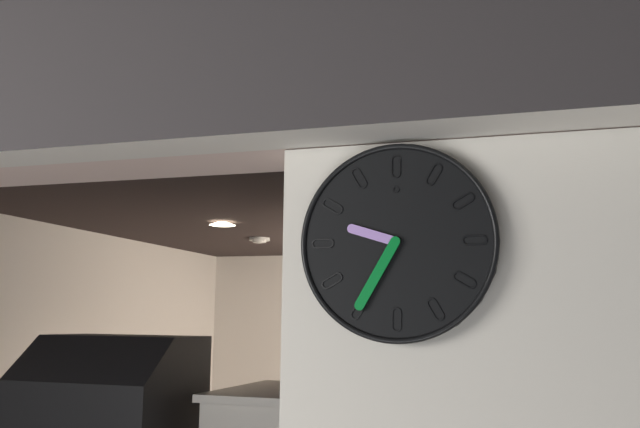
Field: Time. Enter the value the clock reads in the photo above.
9:35
